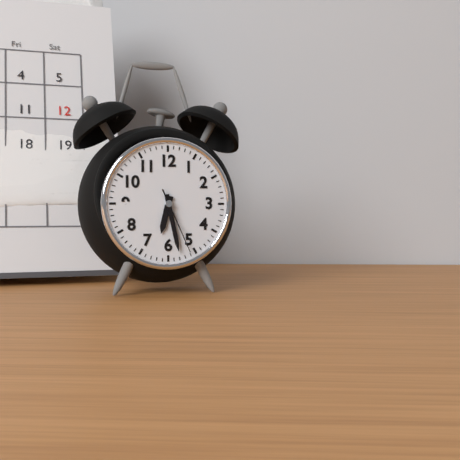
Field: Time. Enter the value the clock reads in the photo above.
6:28:26
